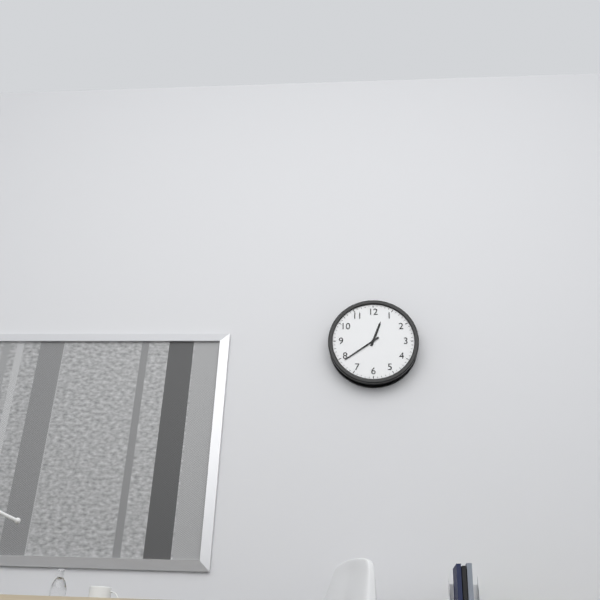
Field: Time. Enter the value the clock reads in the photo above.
12:39
